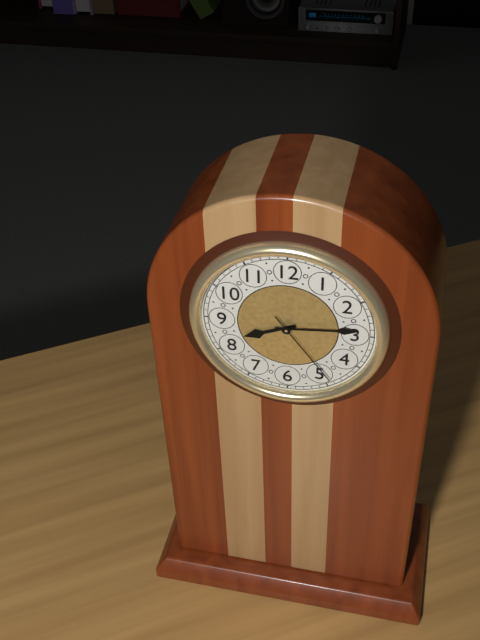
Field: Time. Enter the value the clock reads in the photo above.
8:14:24
